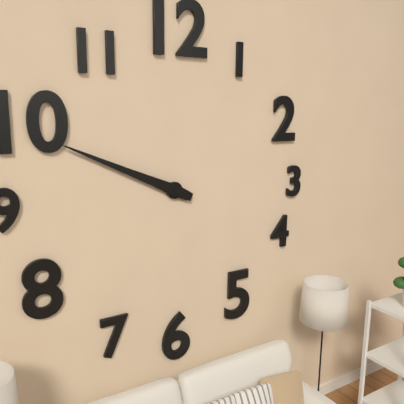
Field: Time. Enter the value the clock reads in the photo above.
9:49
